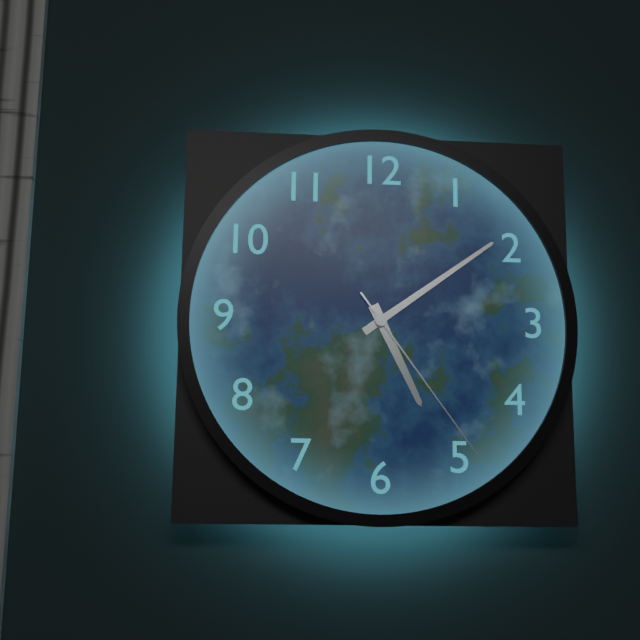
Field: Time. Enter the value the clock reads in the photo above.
5:09:24
